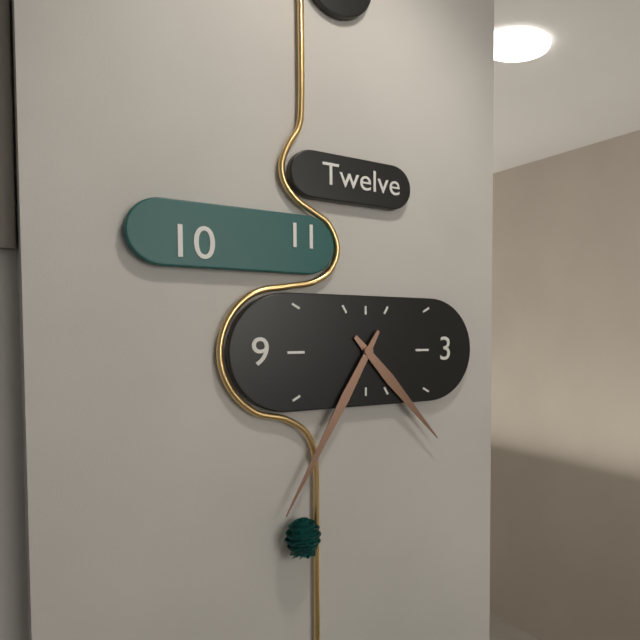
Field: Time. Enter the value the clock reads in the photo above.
4:35
